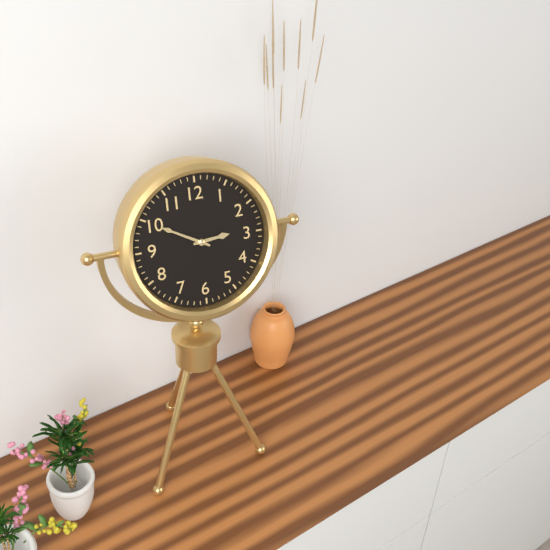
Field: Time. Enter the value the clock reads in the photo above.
2:50
